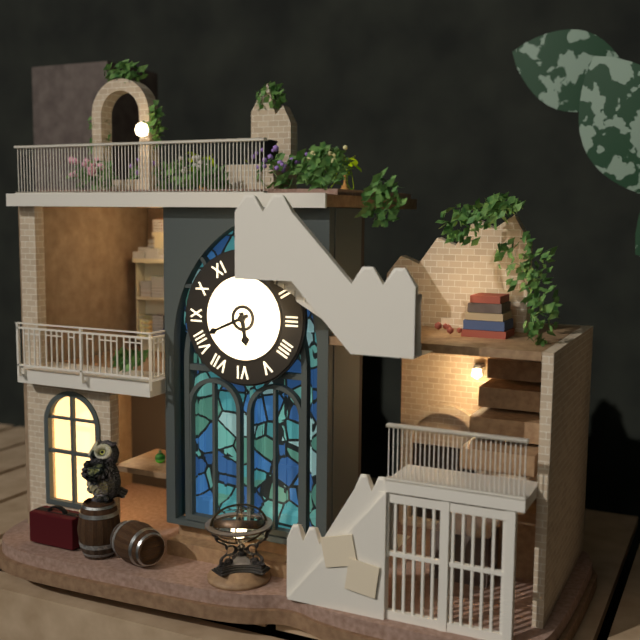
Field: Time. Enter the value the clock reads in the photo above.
5:41
